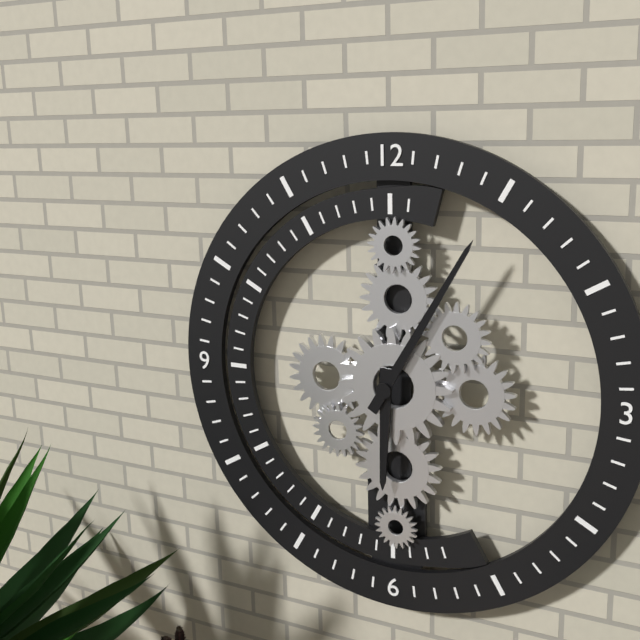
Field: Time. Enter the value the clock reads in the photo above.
6:05
